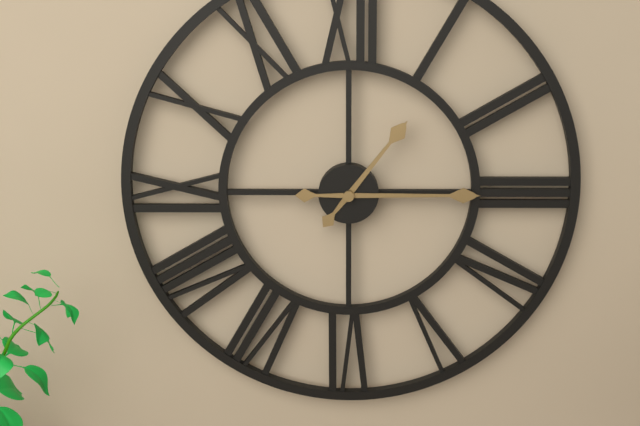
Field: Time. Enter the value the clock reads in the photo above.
1:15
